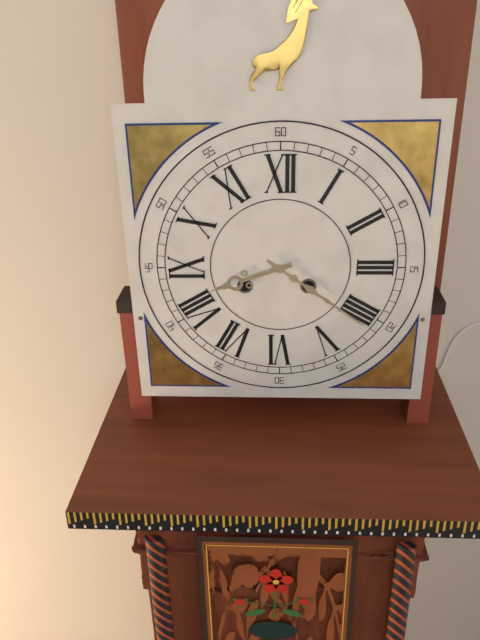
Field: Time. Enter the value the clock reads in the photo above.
8:21
